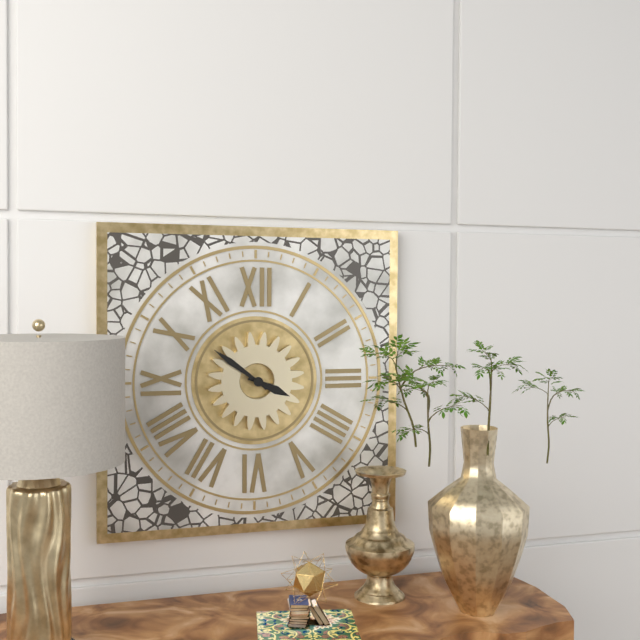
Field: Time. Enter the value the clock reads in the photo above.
3:51
